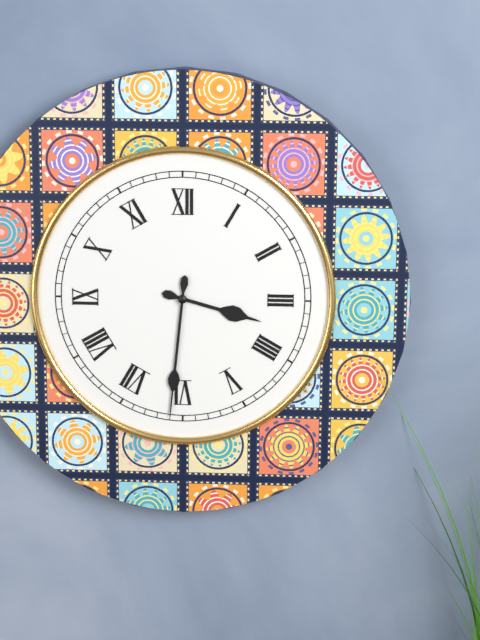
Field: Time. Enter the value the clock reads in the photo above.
3:31
